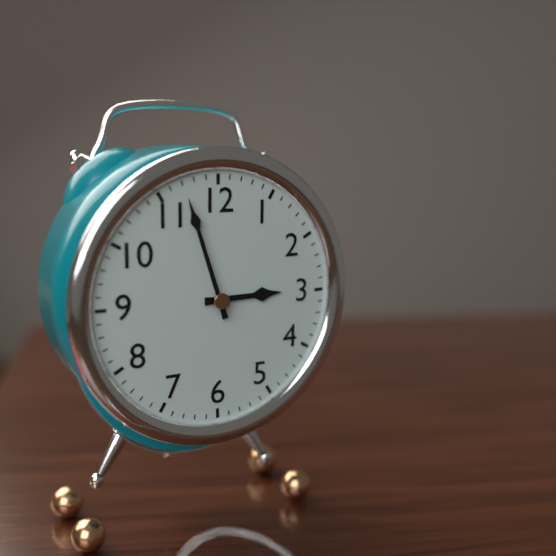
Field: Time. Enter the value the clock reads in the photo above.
2:57
